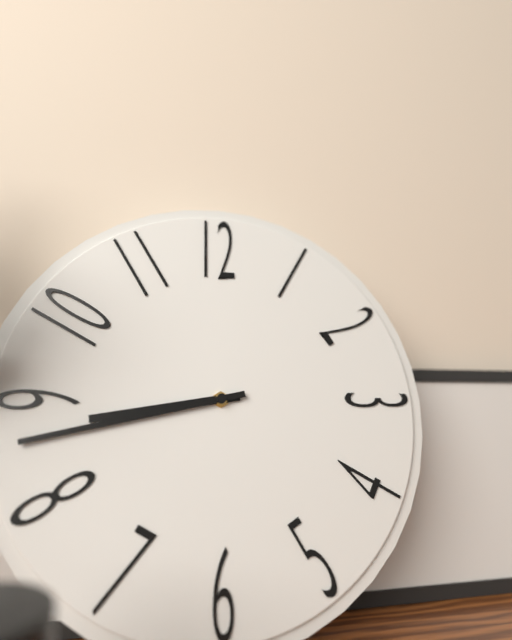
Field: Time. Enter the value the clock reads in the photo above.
8:43
